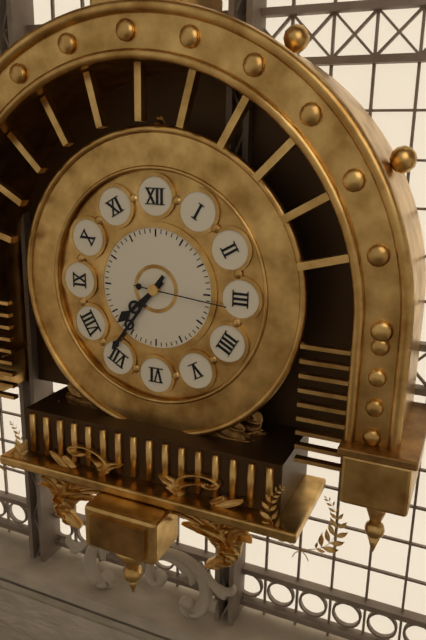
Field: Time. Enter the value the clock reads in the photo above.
7:36:16
